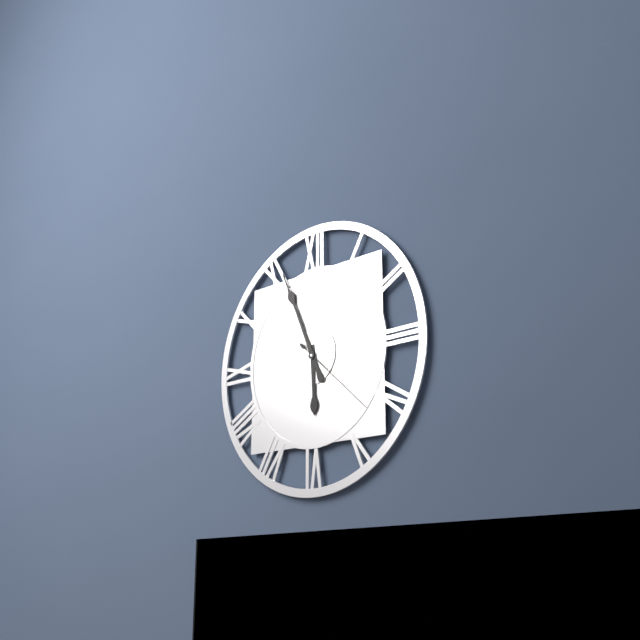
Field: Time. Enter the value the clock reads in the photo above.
5:56:22
